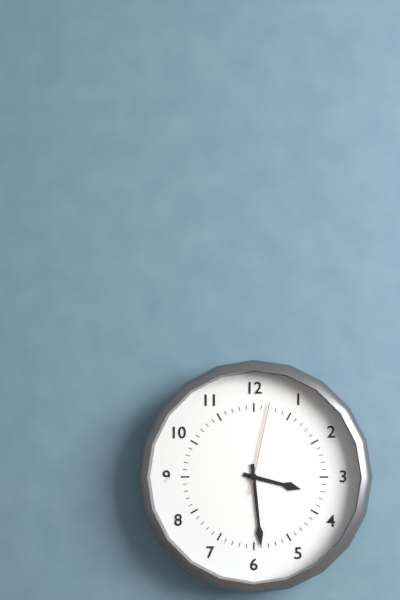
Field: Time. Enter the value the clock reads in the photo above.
3:29:02
